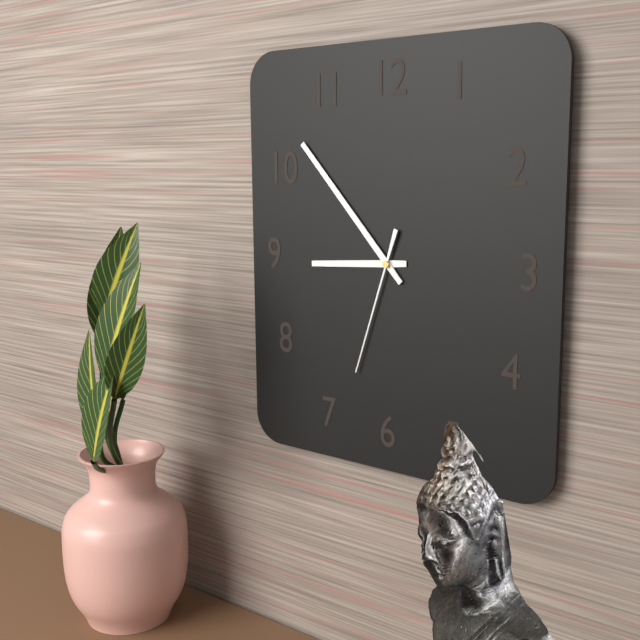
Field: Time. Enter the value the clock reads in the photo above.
8:53:33
